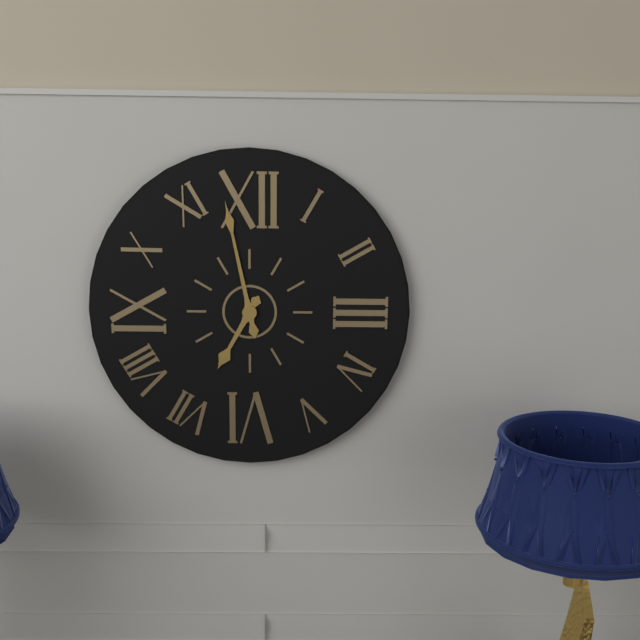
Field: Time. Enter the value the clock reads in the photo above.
6:58
